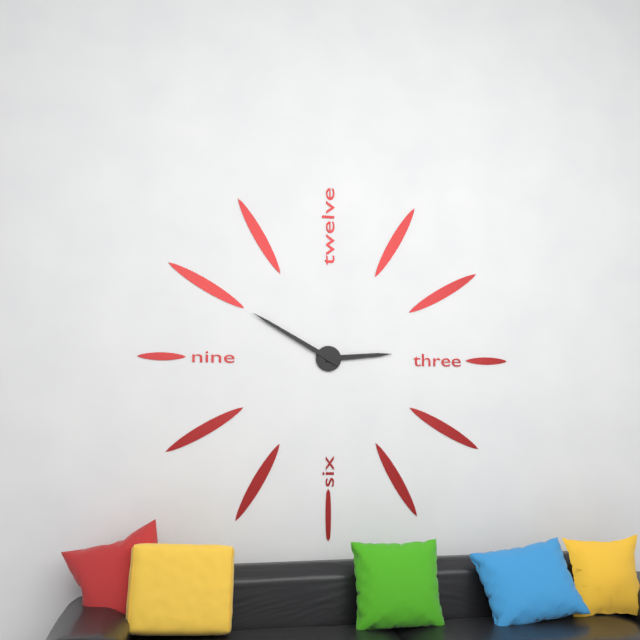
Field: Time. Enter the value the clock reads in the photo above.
2:50
